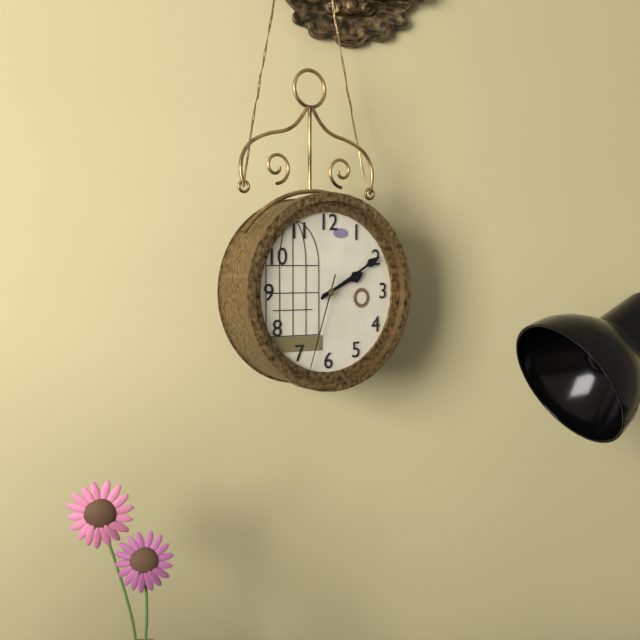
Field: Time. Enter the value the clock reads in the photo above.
2:10:33
